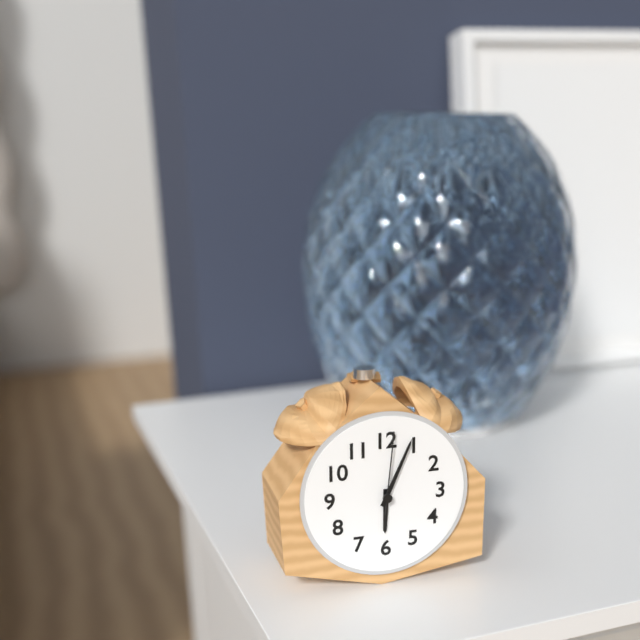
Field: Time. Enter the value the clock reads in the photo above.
6:04:01
